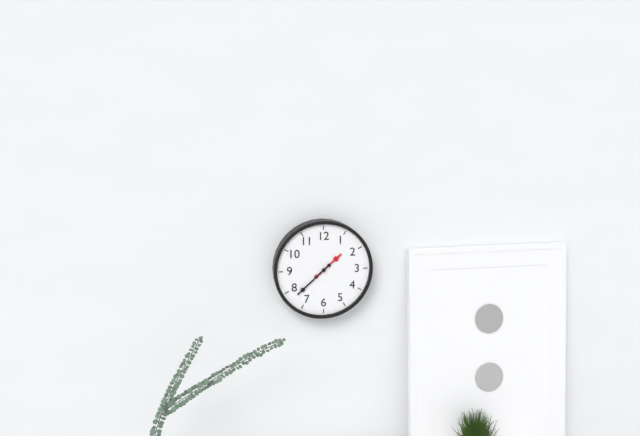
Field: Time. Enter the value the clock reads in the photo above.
1:38
